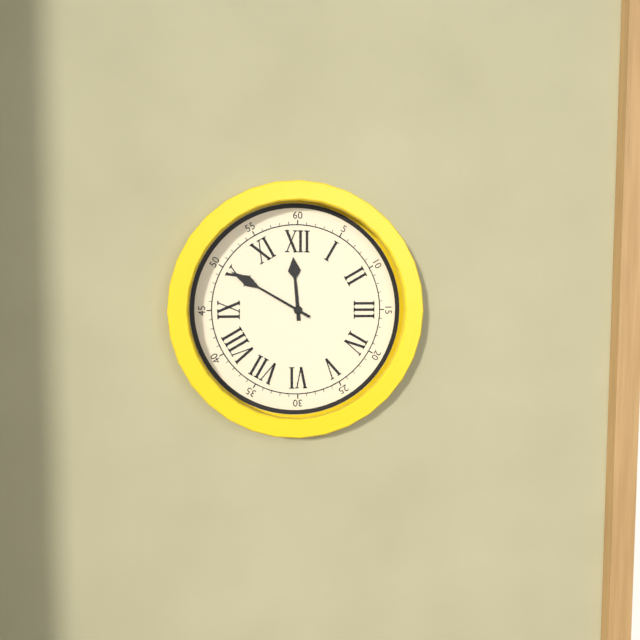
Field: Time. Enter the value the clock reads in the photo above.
11:50
